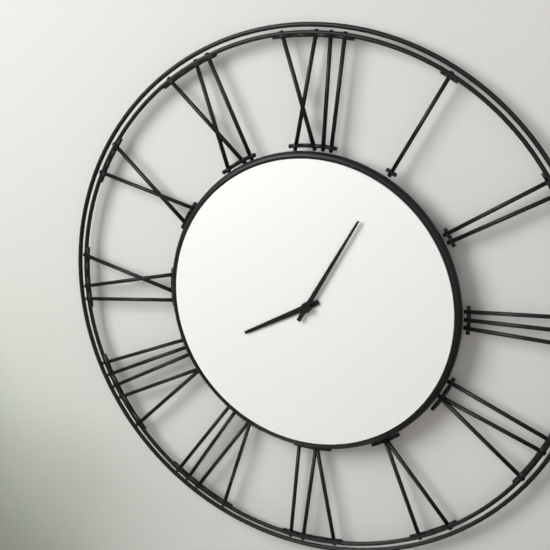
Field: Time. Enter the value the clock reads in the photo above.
8:05
